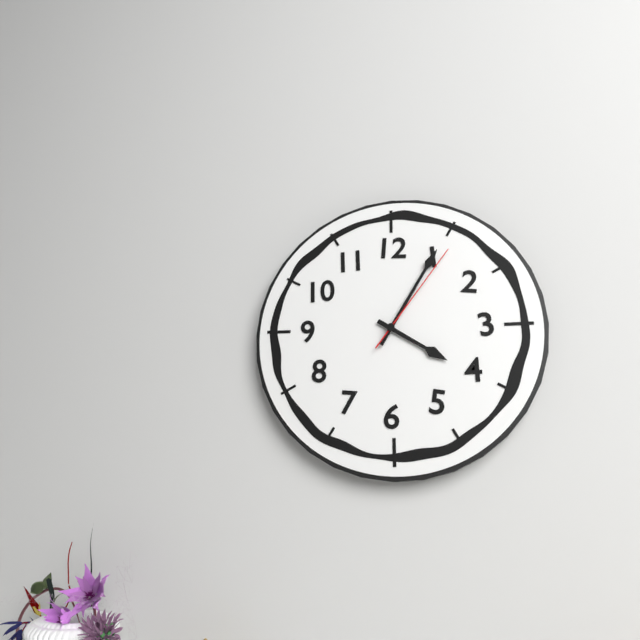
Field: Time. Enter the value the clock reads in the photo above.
4:05:06
